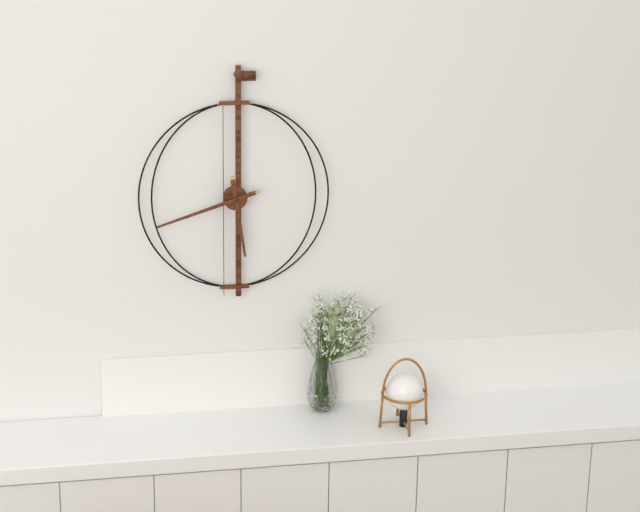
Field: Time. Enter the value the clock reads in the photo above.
5:42
